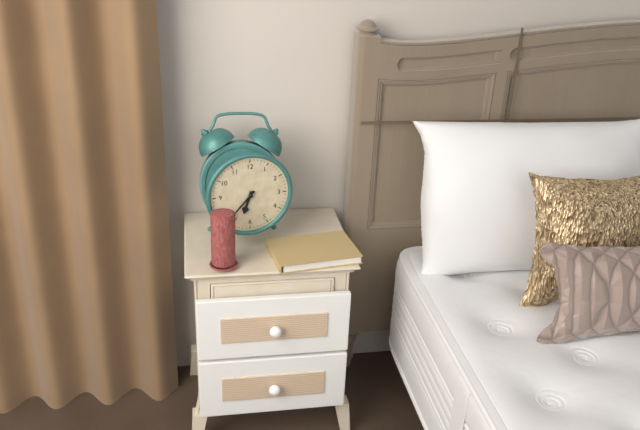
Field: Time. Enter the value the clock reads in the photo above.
6:37
